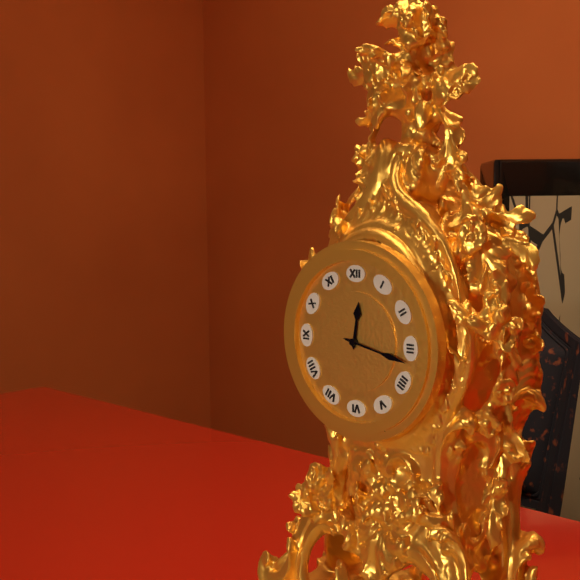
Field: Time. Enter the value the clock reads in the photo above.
12:17
